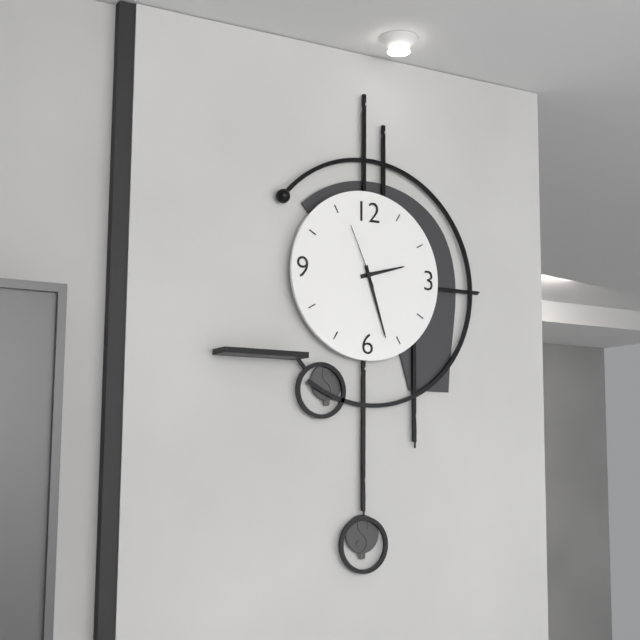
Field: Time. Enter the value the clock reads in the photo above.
2:27:56
